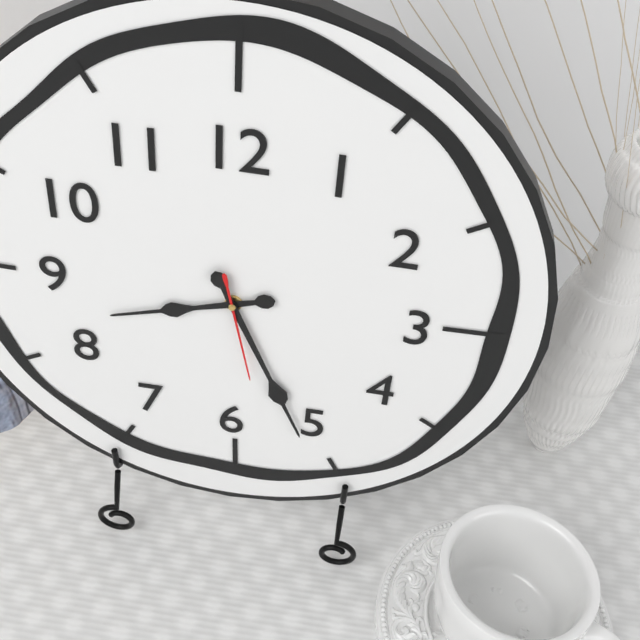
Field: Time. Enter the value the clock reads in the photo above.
8:26:28
